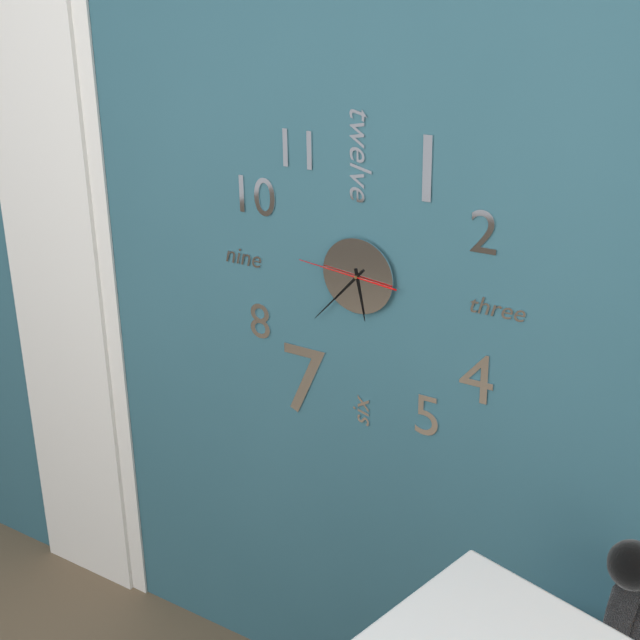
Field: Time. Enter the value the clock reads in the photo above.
5:37:46
